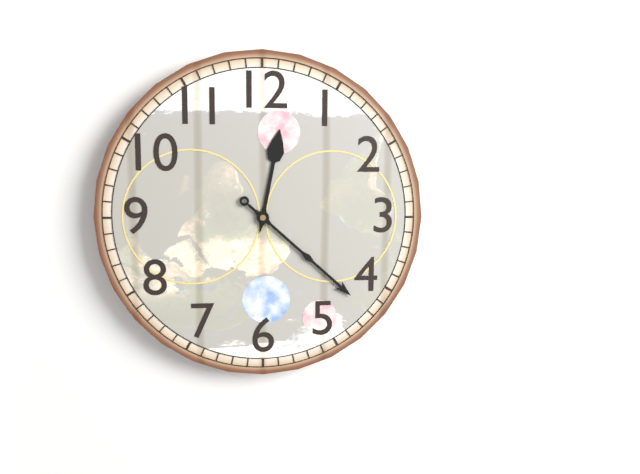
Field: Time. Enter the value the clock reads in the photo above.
12:22
